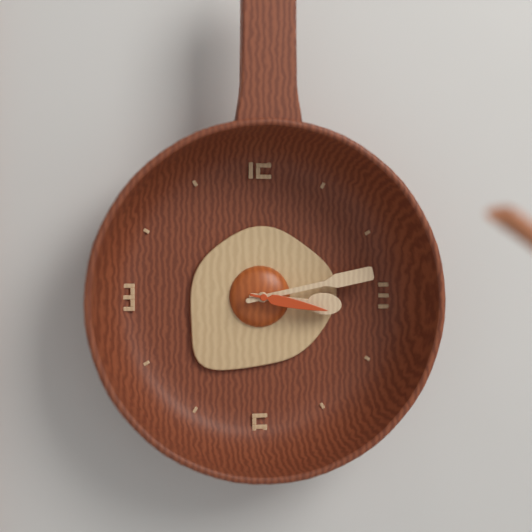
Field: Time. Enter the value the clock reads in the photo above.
3:13:17
